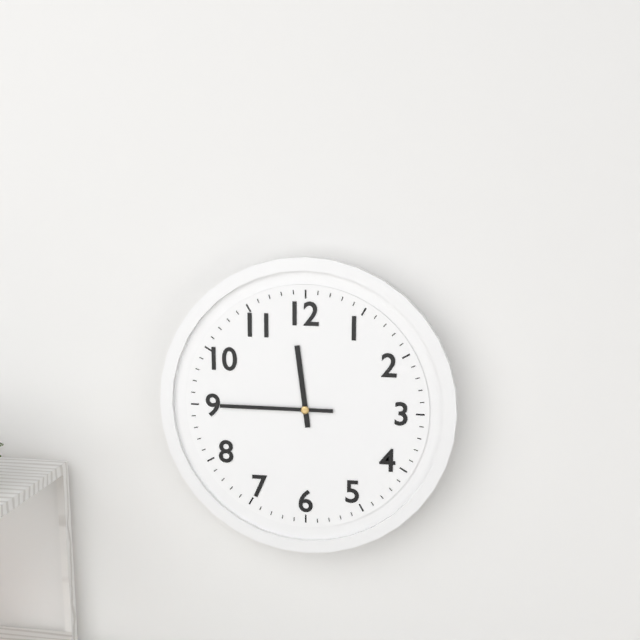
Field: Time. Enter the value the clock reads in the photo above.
11:45
